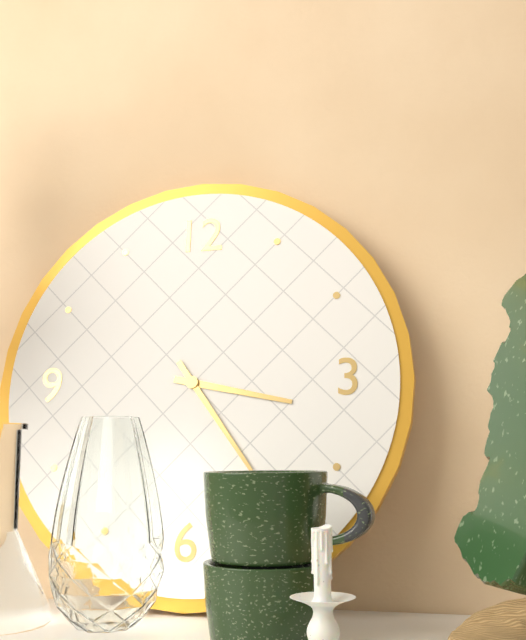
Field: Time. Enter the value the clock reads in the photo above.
3:24
